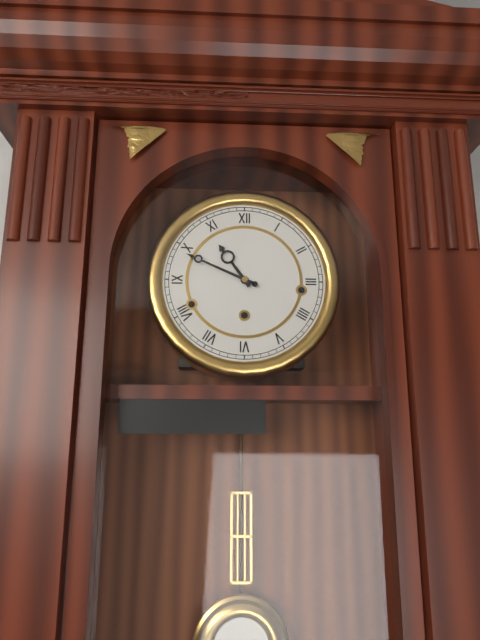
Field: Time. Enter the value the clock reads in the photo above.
10:49
